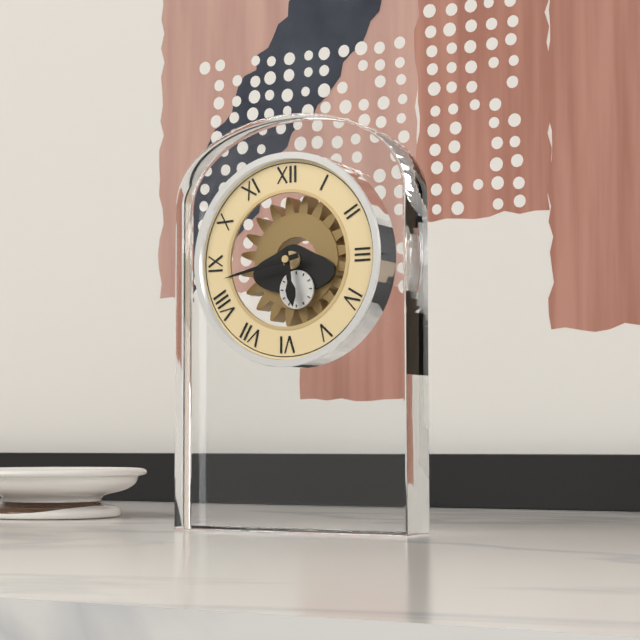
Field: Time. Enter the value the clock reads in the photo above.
5:43
